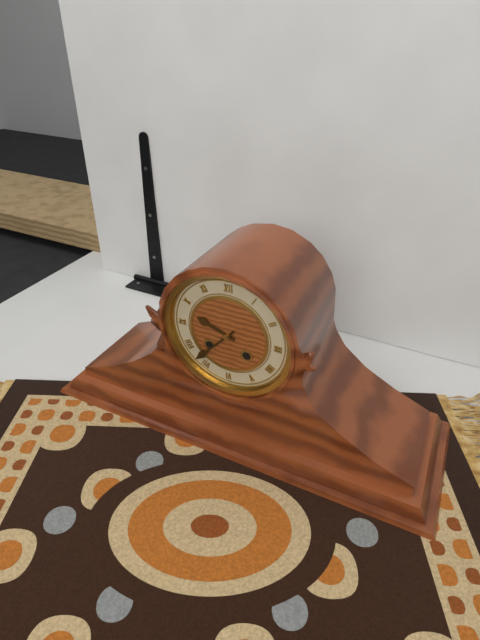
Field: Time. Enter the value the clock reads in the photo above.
9:37
